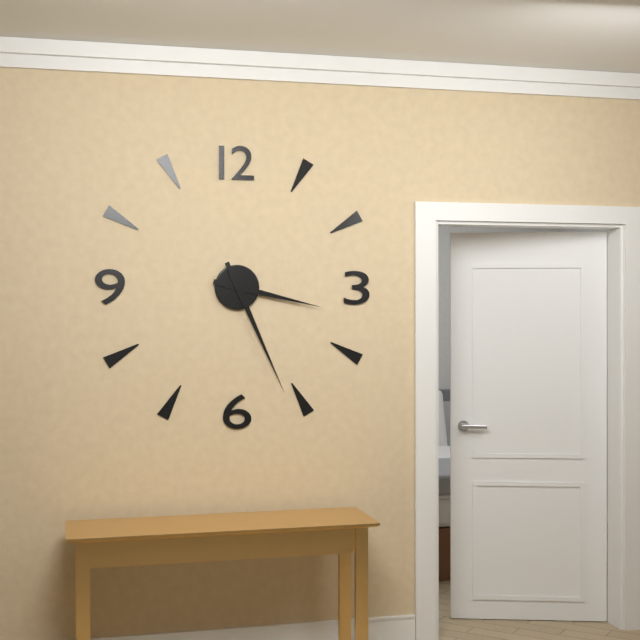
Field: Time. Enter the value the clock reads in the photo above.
3:26
